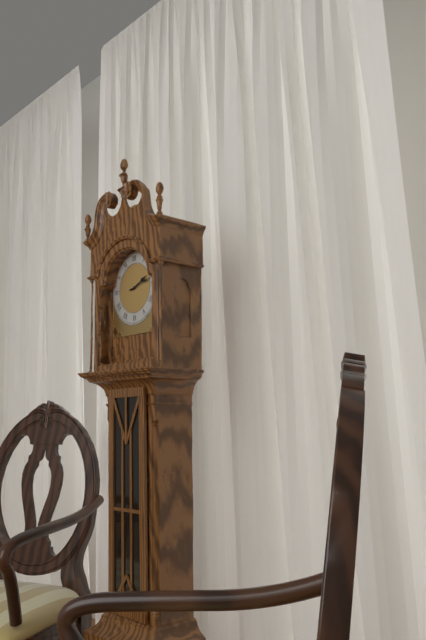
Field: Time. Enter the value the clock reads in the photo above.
2:13
